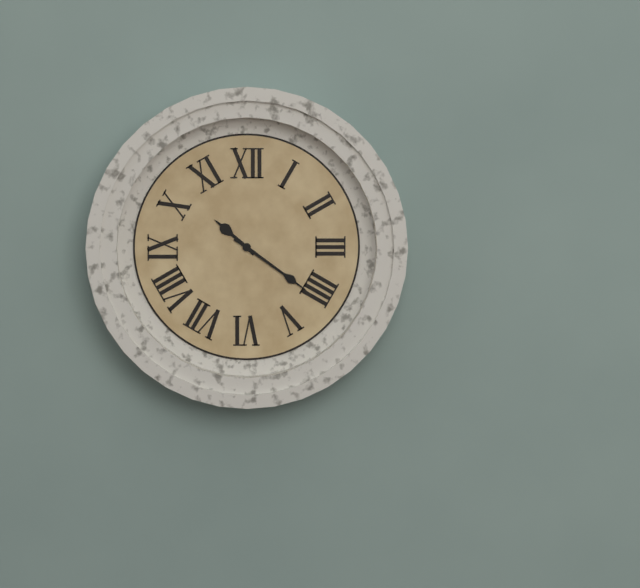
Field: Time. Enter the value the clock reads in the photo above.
10:21
